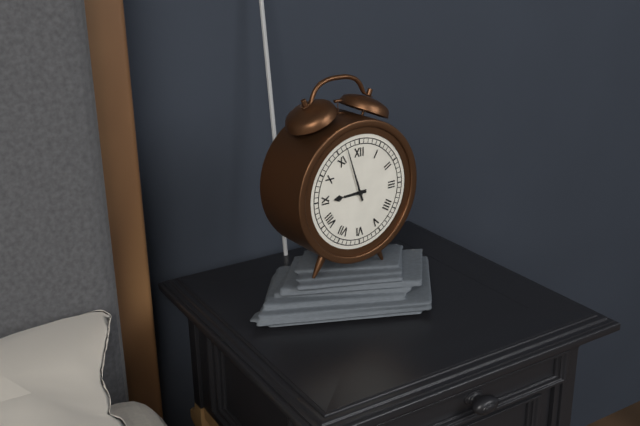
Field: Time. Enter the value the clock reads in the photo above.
8:57
